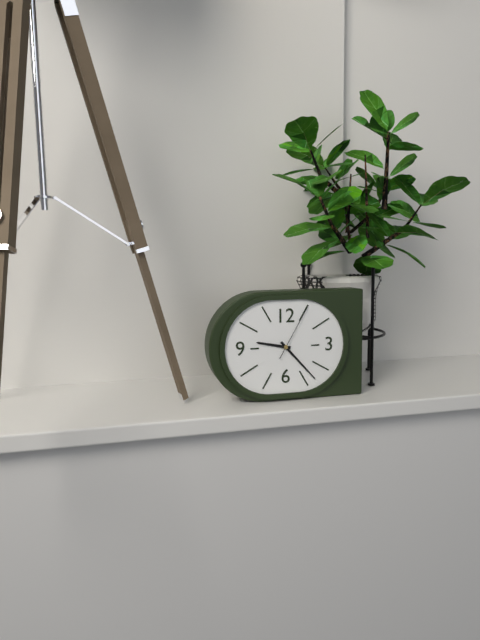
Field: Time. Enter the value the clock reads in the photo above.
9:23:05
